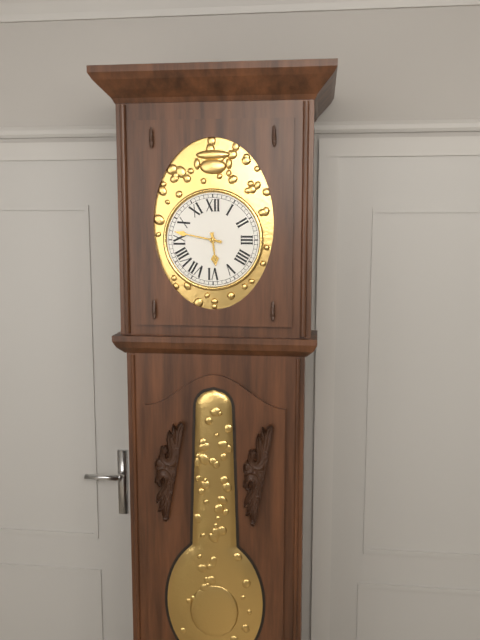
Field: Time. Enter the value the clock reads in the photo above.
5:47
